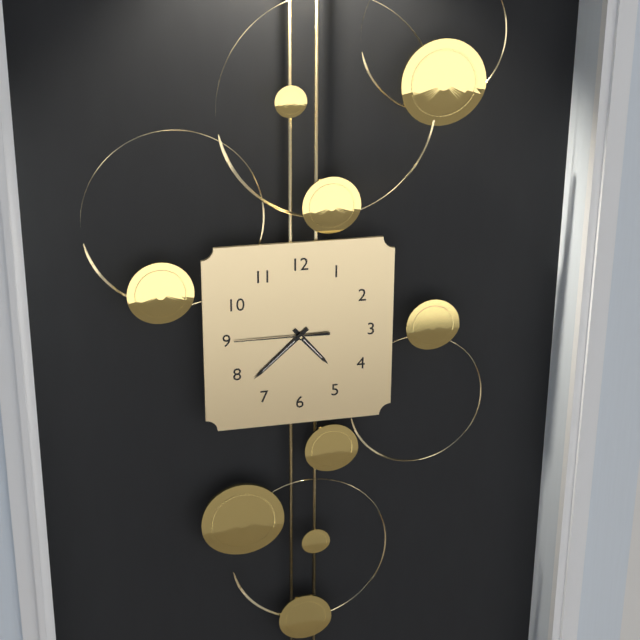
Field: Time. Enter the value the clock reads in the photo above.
4:38:45
